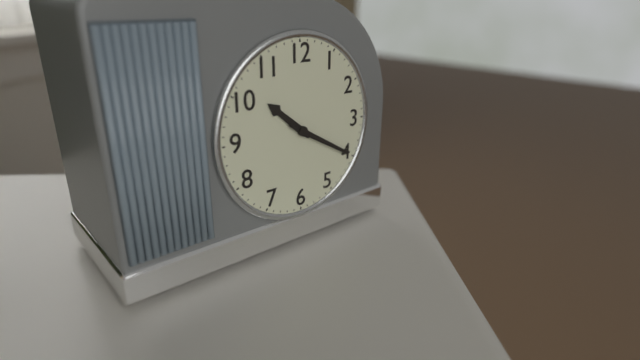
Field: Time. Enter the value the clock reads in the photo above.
10:20
